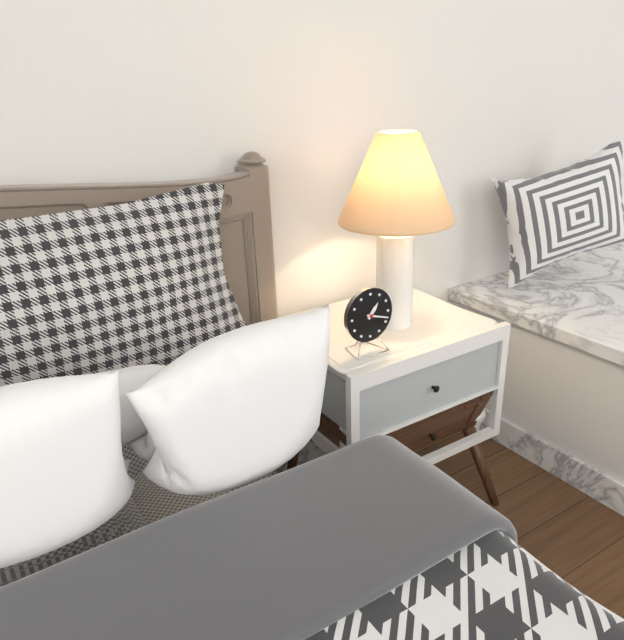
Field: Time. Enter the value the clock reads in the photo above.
1:18
